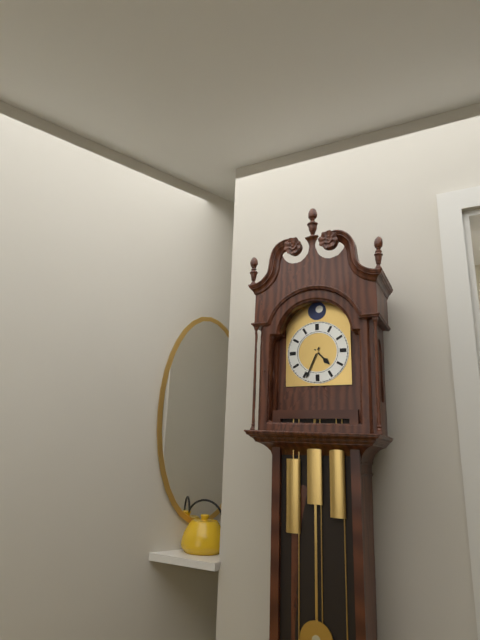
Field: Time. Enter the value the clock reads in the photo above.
4:34
